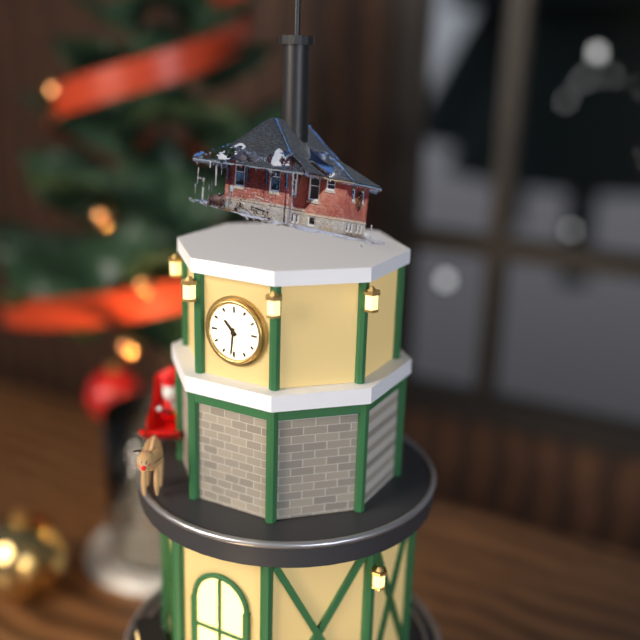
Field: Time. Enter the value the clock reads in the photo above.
10:31
